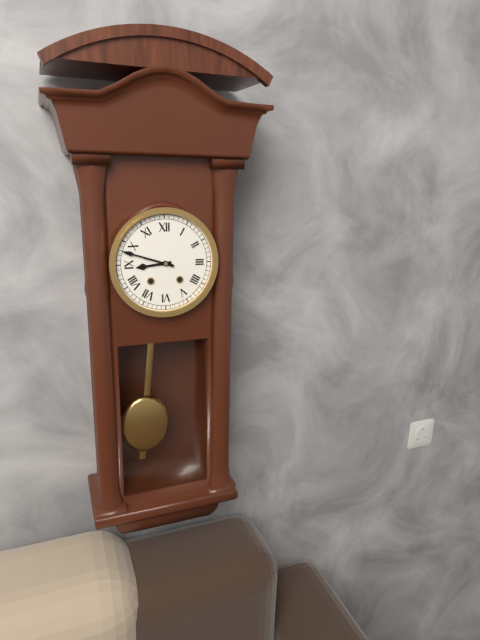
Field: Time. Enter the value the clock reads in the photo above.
8:48
